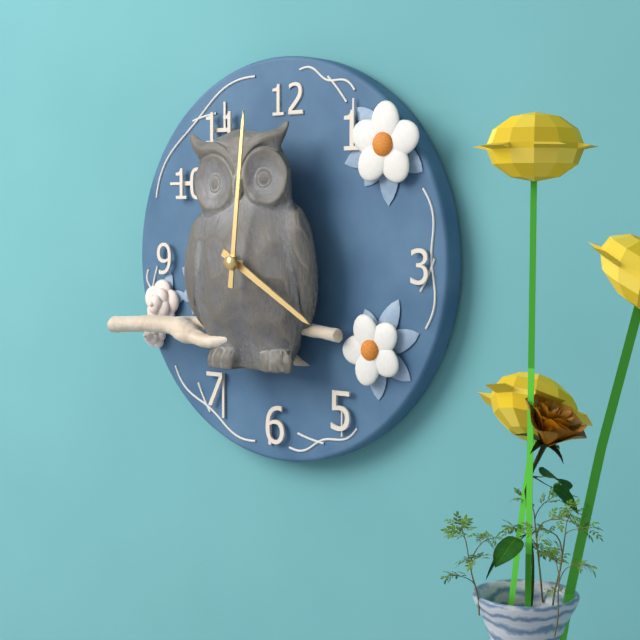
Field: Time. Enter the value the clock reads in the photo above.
4:01
